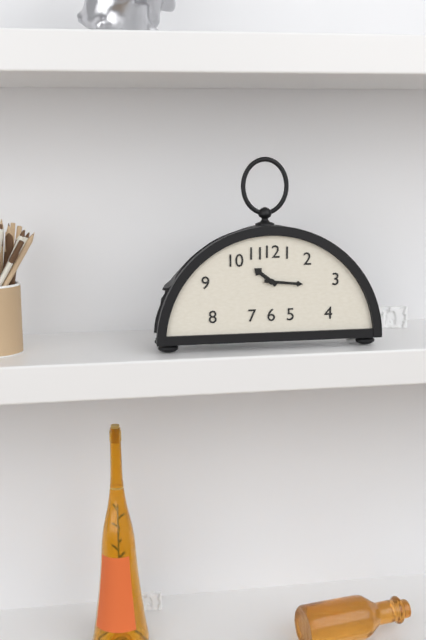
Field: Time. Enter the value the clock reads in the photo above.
10:16
